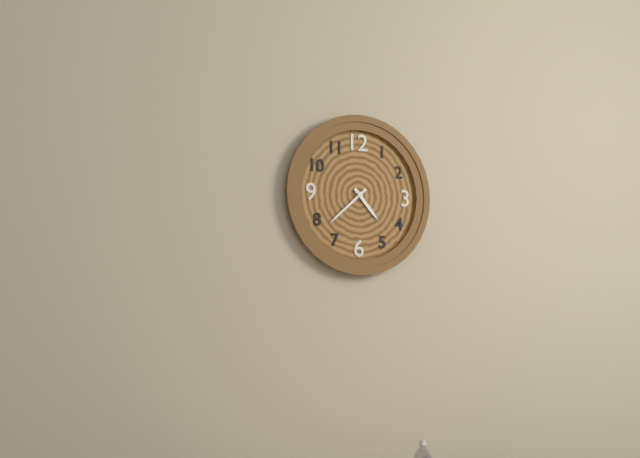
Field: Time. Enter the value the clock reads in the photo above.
4:38
